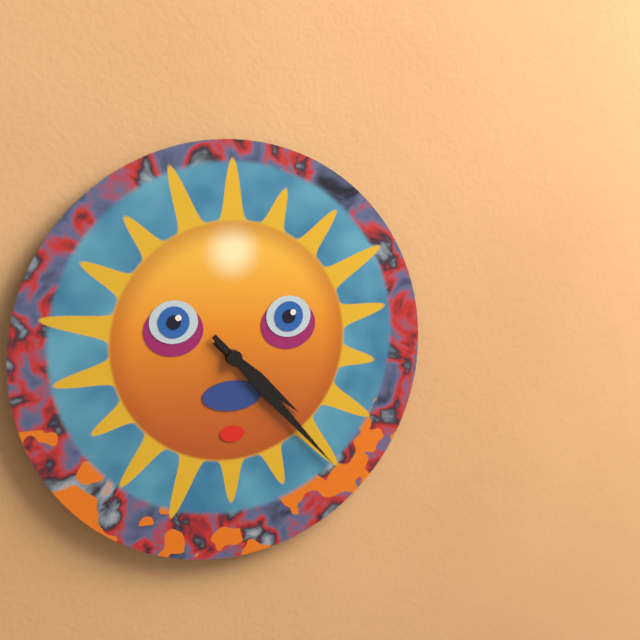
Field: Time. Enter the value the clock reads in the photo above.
4:23
